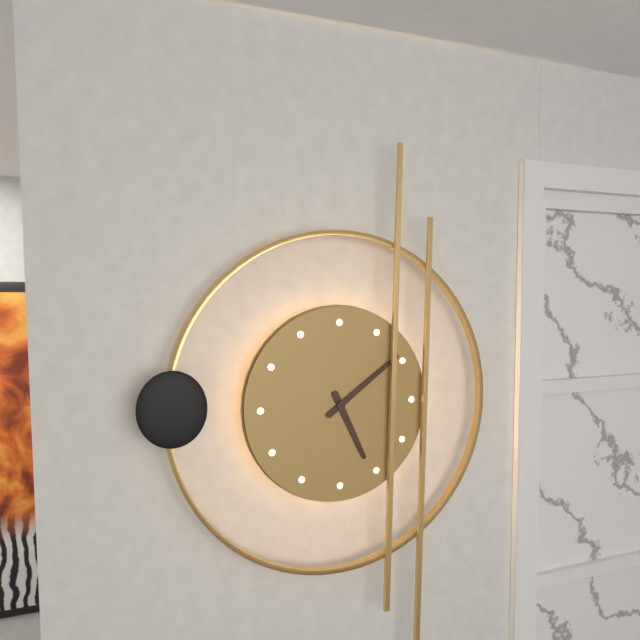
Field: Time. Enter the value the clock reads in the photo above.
5:09
